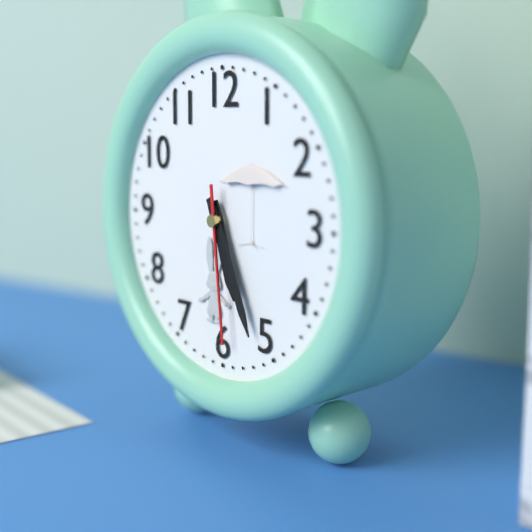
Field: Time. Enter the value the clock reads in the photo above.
5:26:29
